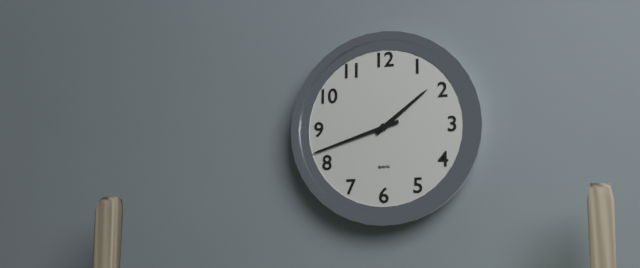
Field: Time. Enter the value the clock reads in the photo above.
1:42
